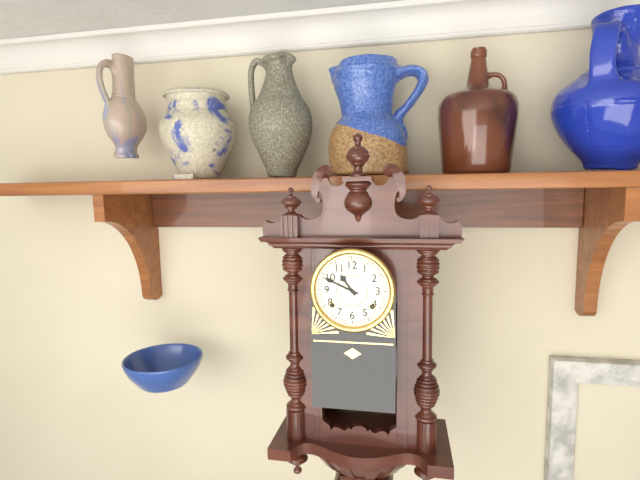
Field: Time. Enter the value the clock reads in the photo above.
10:49
